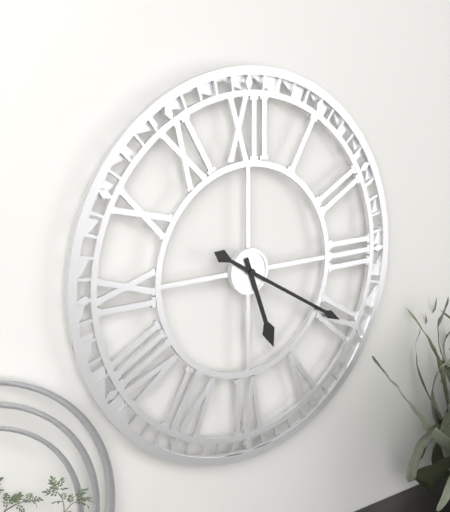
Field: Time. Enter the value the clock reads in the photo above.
5:20
